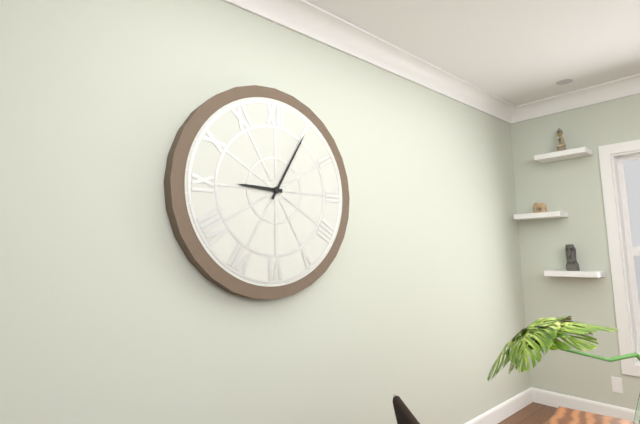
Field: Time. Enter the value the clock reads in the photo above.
9:05
